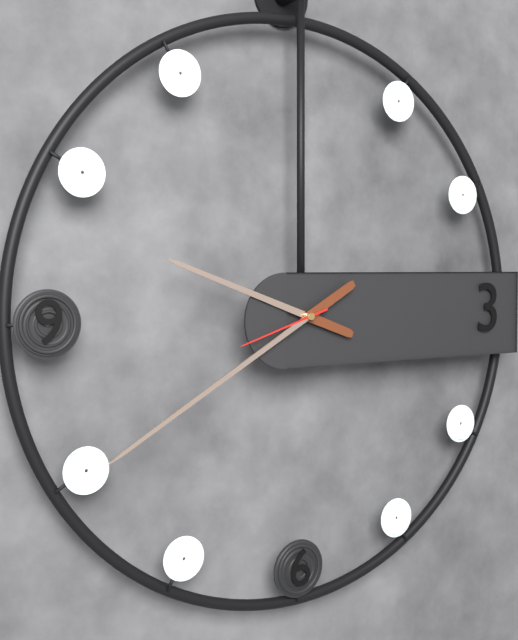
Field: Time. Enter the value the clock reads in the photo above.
9:40:42
